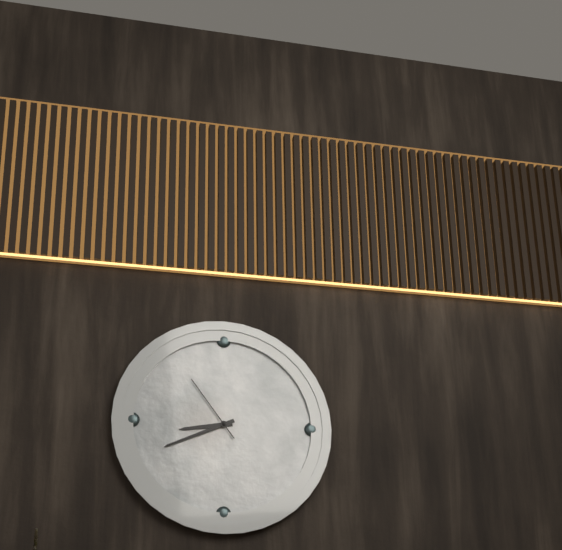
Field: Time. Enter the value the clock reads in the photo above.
8:41:54
